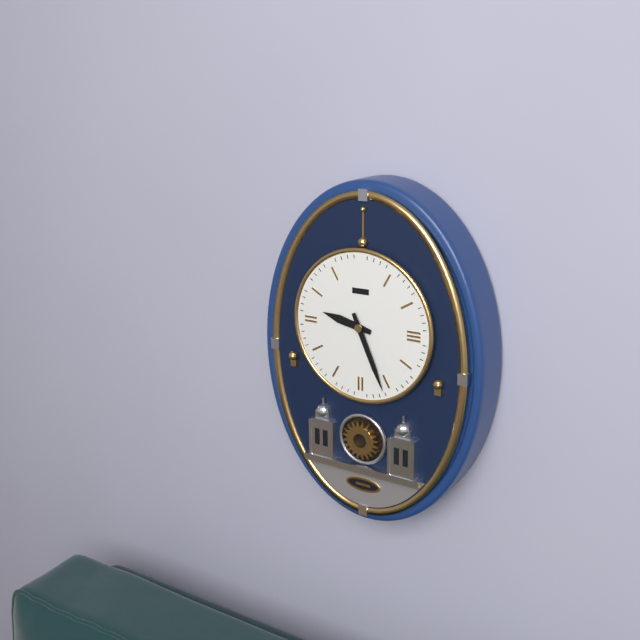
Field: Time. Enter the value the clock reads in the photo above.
9:26
